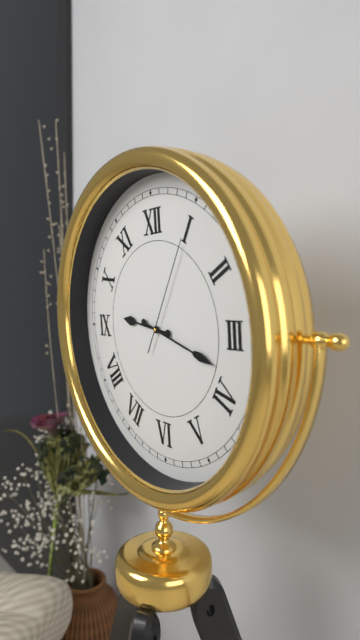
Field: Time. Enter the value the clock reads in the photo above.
9:18:05
